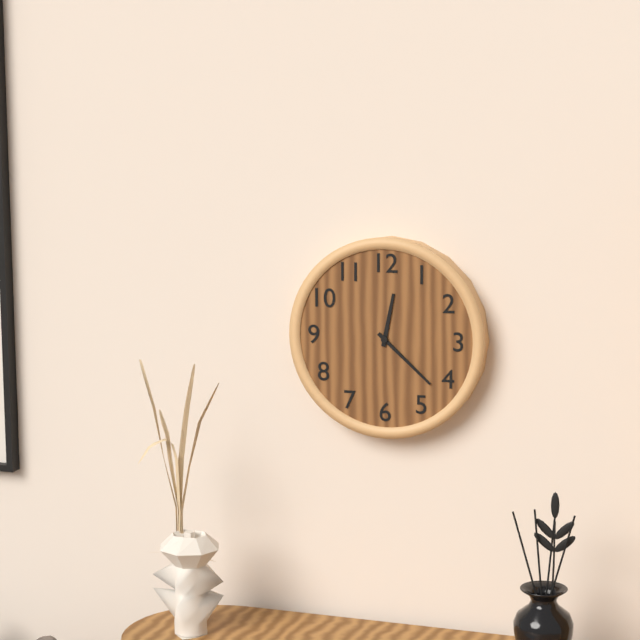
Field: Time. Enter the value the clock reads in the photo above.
12:22
